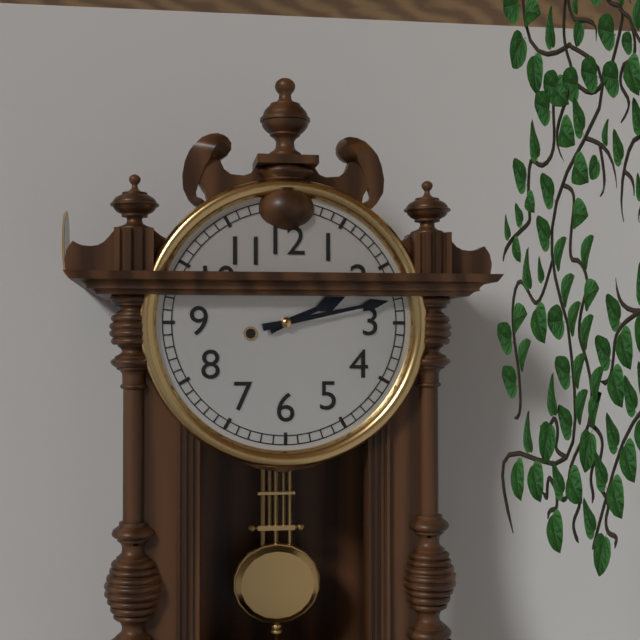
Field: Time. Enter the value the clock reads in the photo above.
2:13
